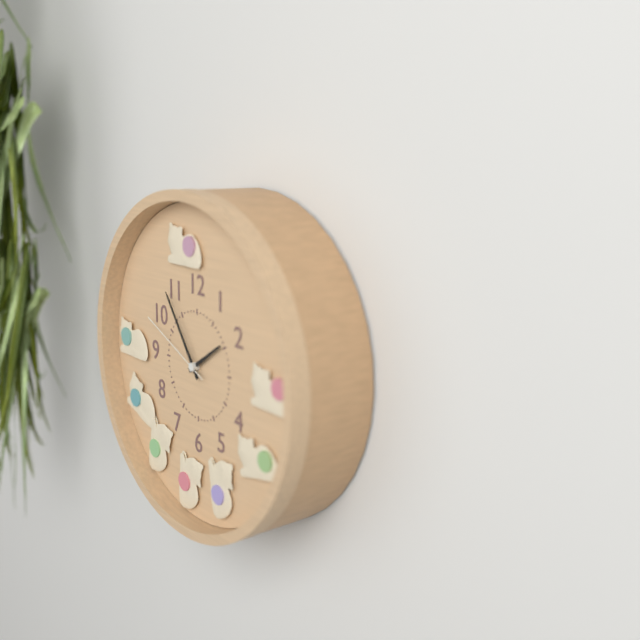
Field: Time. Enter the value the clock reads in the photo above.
1:54:49
